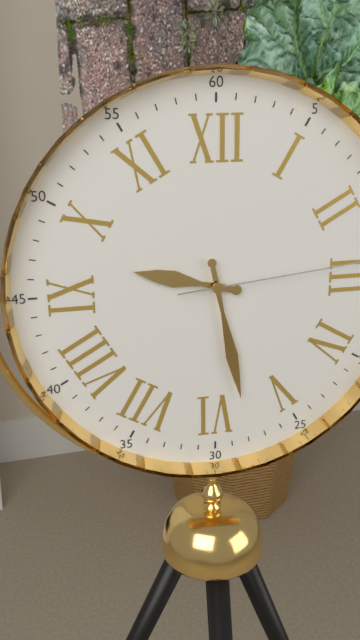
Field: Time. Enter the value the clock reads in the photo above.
9:28
